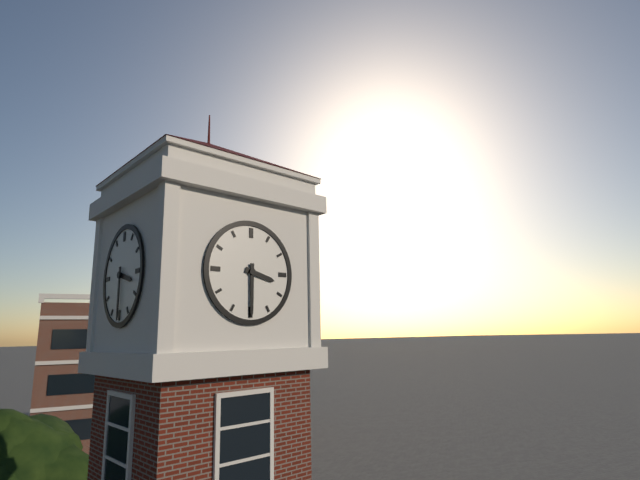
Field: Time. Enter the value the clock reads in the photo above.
3:30
